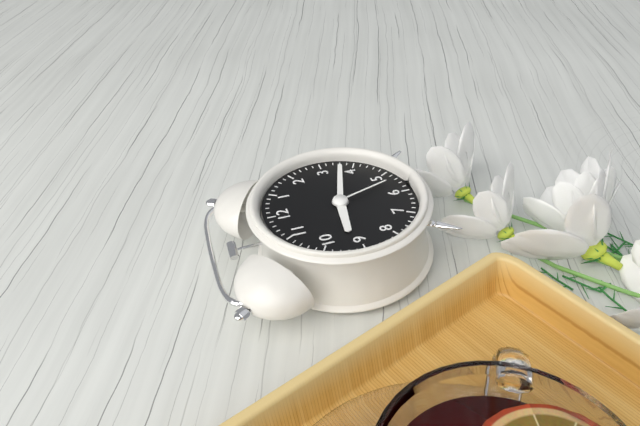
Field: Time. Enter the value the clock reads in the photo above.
9:18:27
